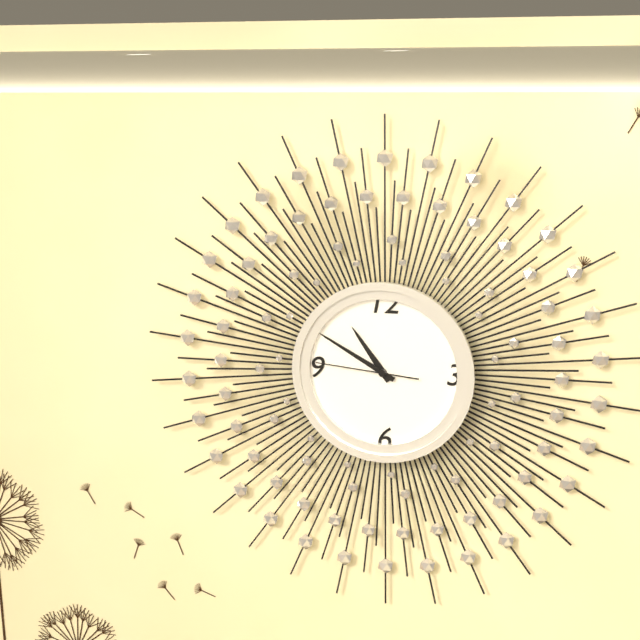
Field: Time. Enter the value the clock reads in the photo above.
10:50:46
